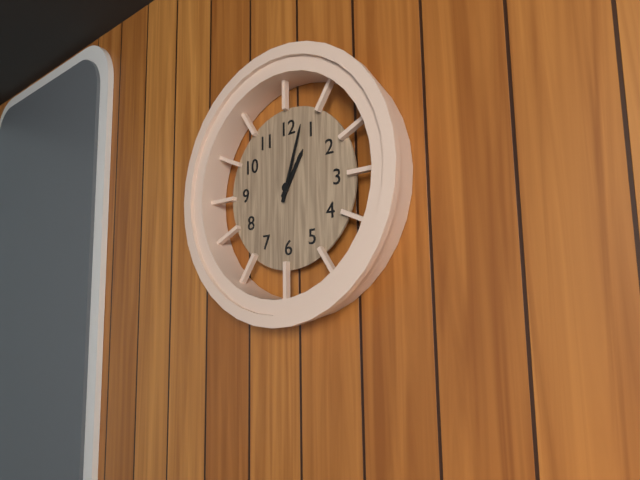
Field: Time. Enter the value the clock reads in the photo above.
1:03
